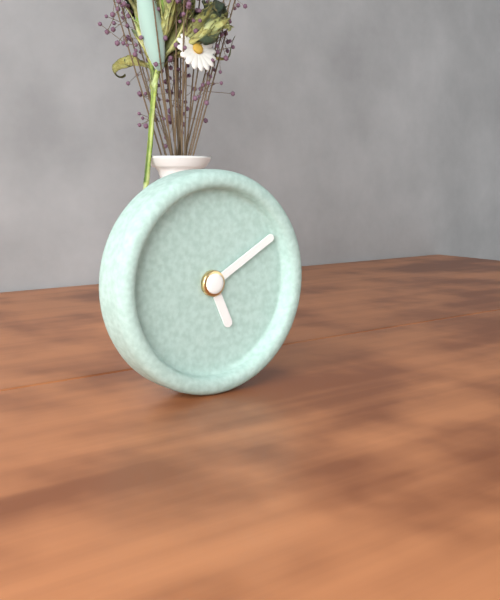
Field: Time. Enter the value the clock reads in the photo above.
5:10
